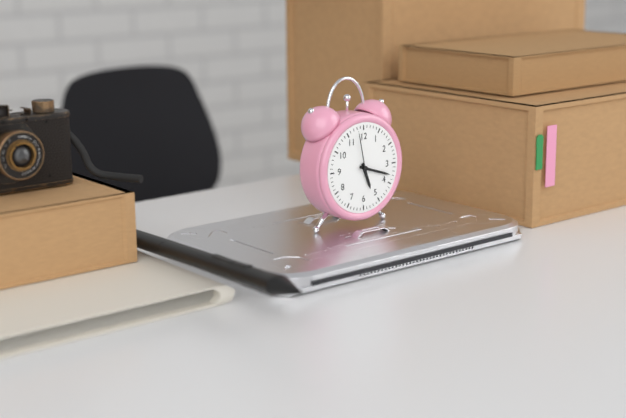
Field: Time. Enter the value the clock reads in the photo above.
5:18
